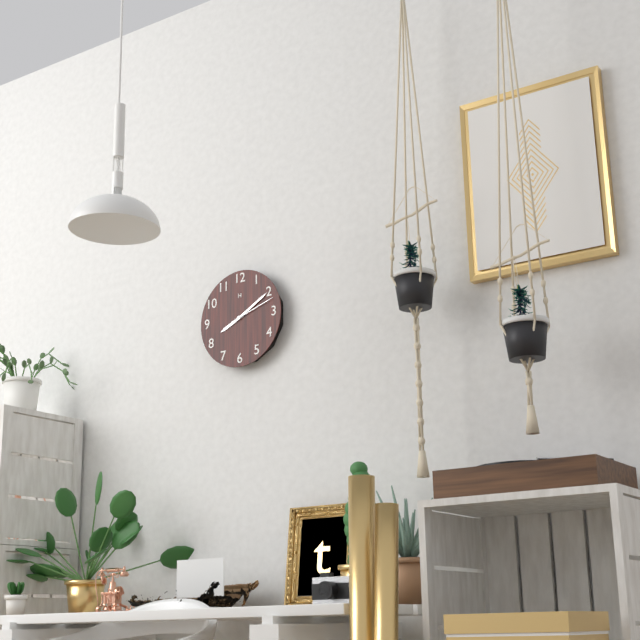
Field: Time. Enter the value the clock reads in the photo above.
8:10
